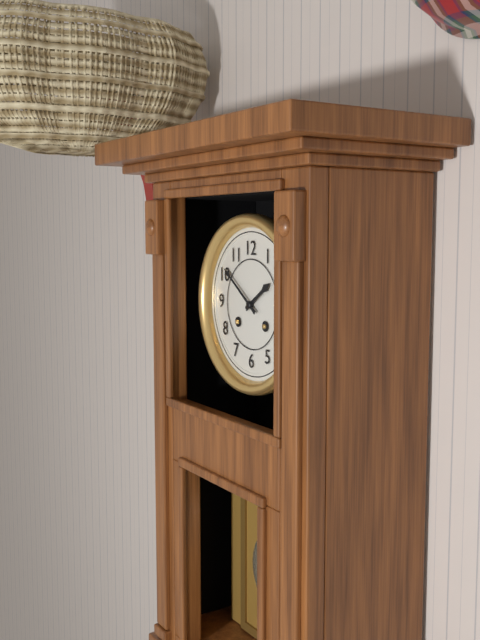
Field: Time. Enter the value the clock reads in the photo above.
1:51
